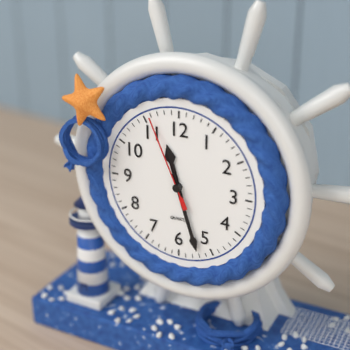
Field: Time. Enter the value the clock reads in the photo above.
11:27:56
